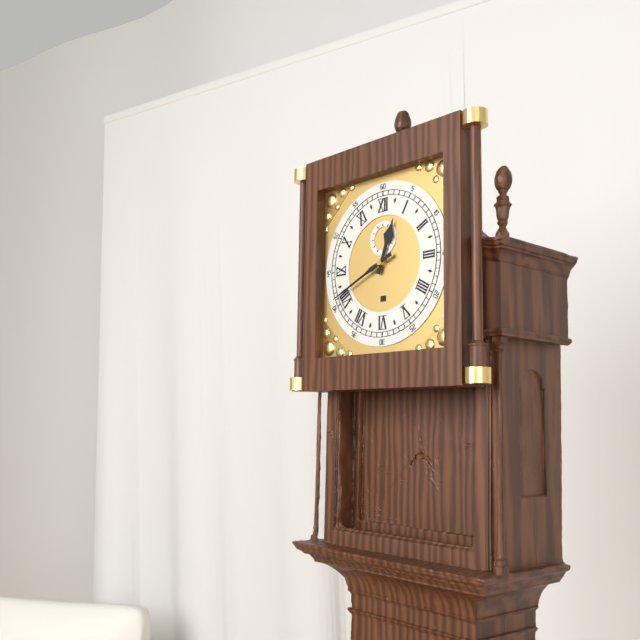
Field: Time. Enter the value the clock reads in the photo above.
12:41
